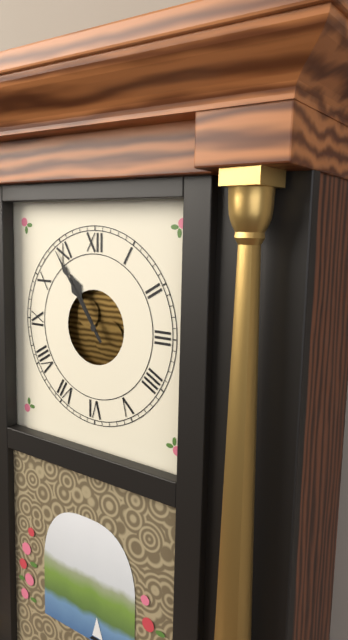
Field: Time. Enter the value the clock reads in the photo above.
10:54
